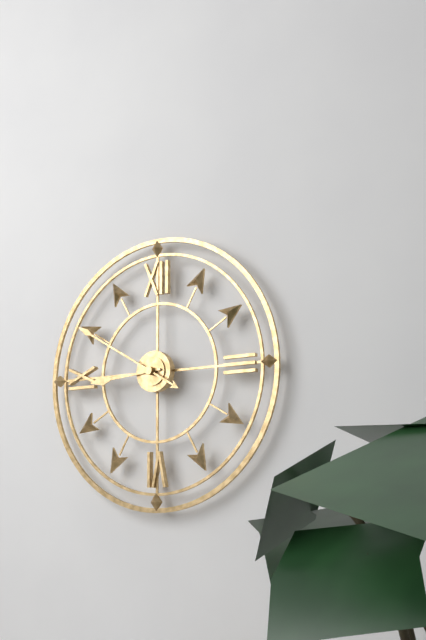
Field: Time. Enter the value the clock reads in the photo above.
8:50
